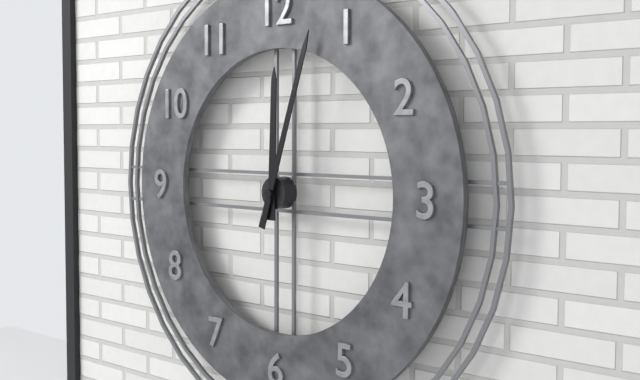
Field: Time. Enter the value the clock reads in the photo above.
12:03
